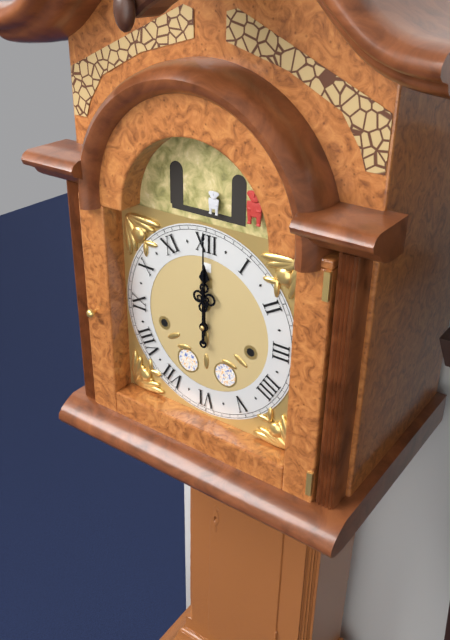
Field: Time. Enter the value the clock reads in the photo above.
12:00
